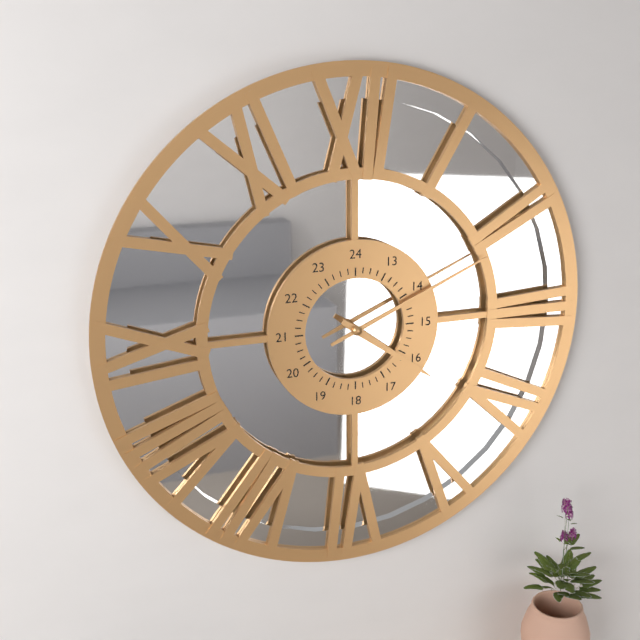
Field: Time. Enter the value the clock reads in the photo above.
4:11
